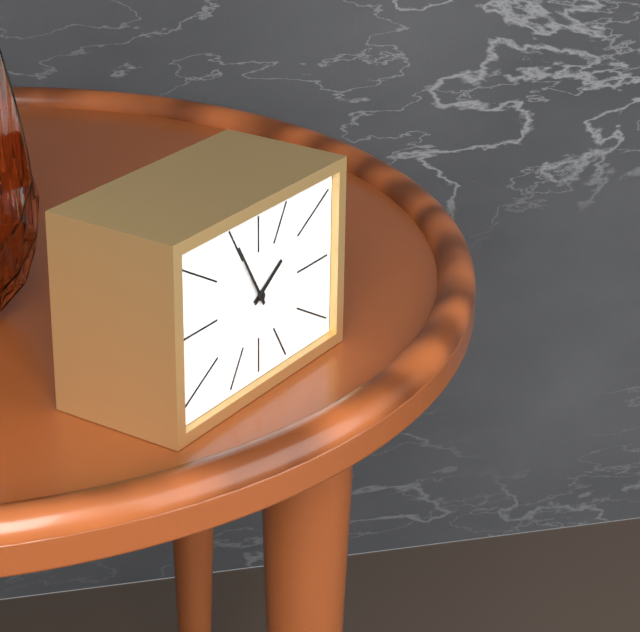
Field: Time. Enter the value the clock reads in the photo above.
1:55
